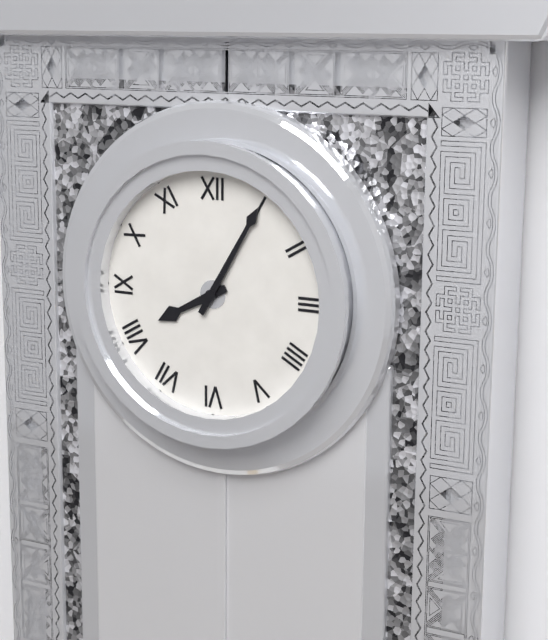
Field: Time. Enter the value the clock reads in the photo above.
8:05
